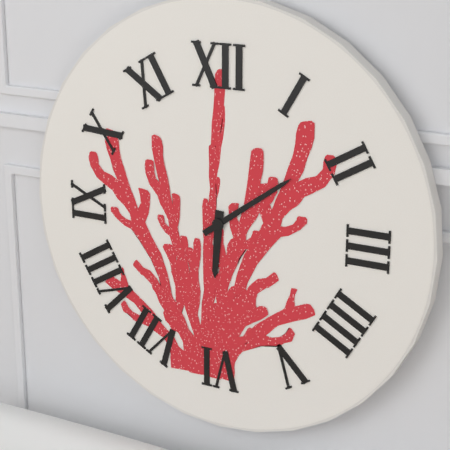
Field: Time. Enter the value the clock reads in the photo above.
6:09
